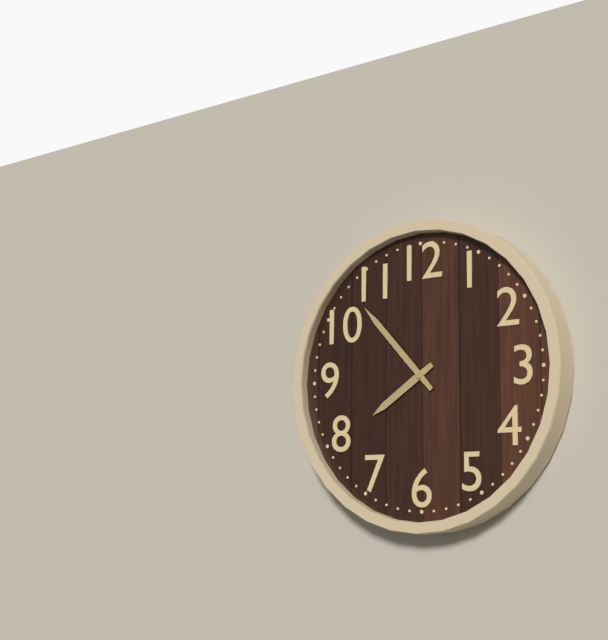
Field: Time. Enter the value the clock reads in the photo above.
7:53
